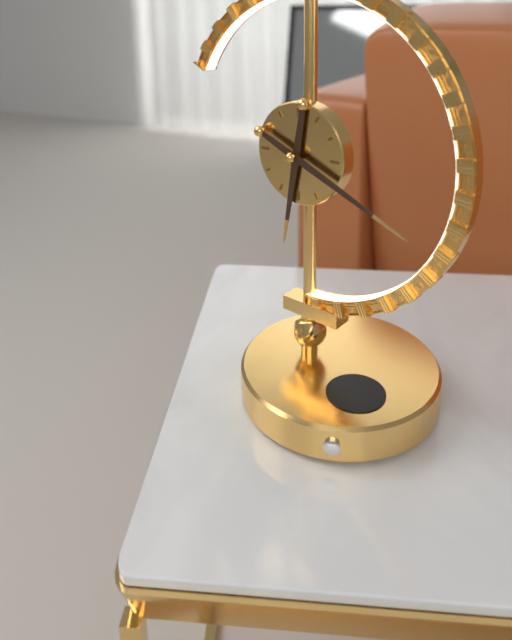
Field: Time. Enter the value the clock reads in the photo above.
6:19
